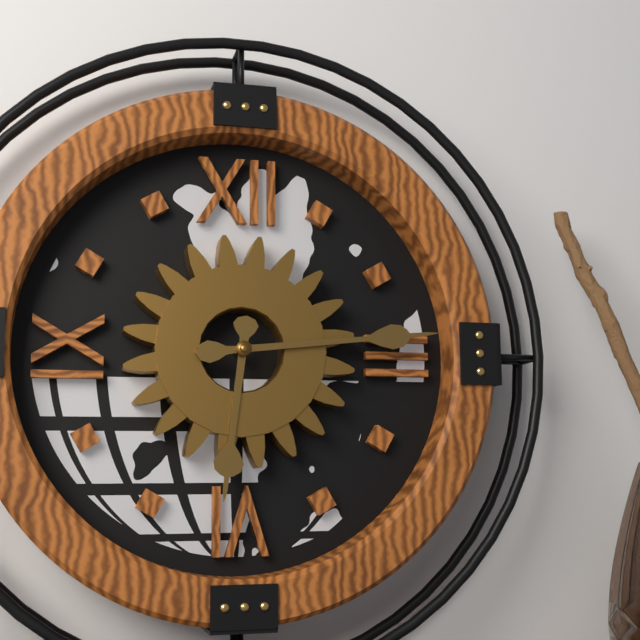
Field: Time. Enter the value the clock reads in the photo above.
6:14
